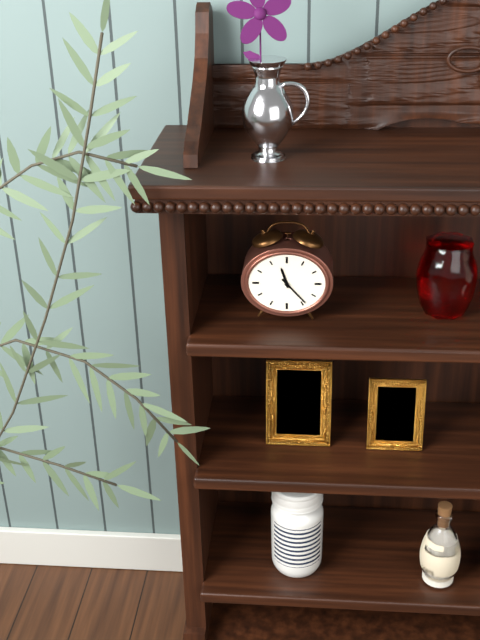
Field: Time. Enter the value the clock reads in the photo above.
11:23
